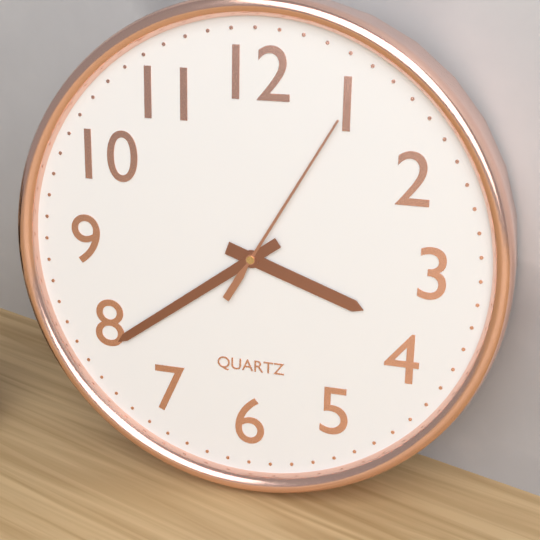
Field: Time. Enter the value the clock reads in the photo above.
3:39:05
